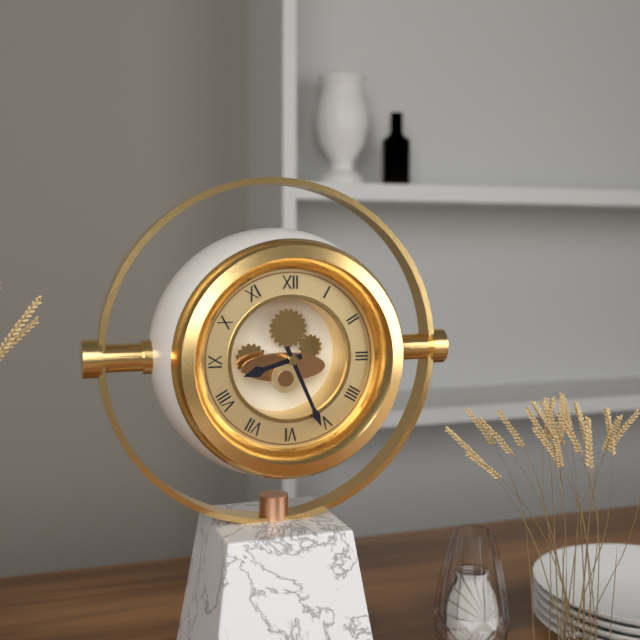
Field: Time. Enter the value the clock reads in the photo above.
8:26
